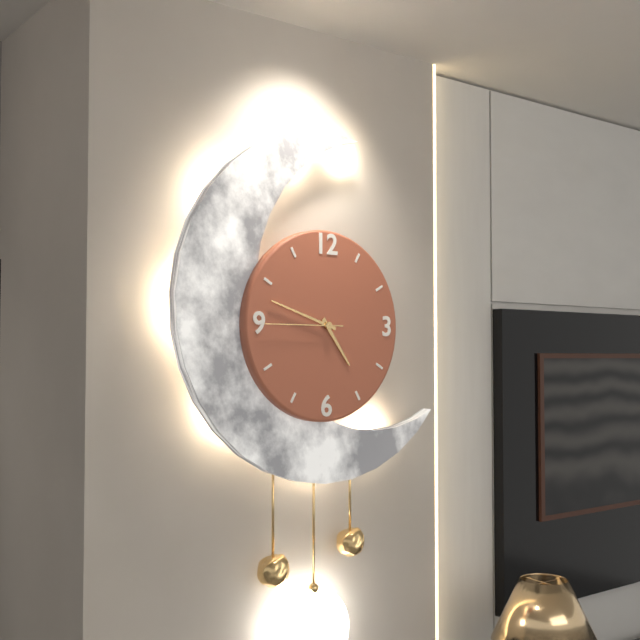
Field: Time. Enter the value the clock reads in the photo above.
4:48:45
